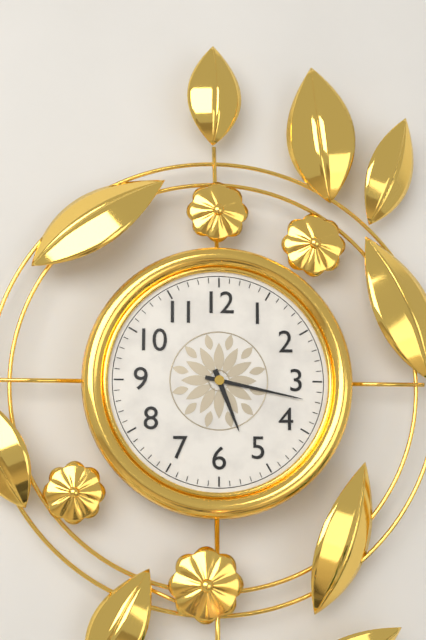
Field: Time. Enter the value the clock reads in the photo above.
5:17
